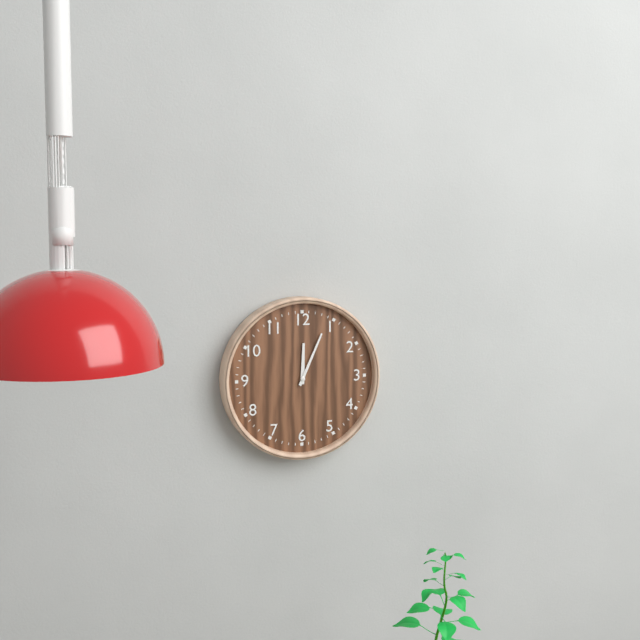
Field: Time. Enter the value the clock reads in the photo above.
12:04
